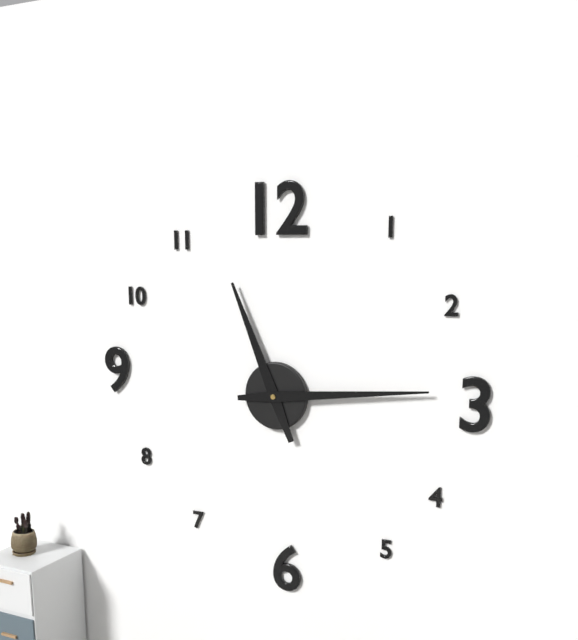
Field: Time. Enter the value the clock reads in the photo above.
11:14
